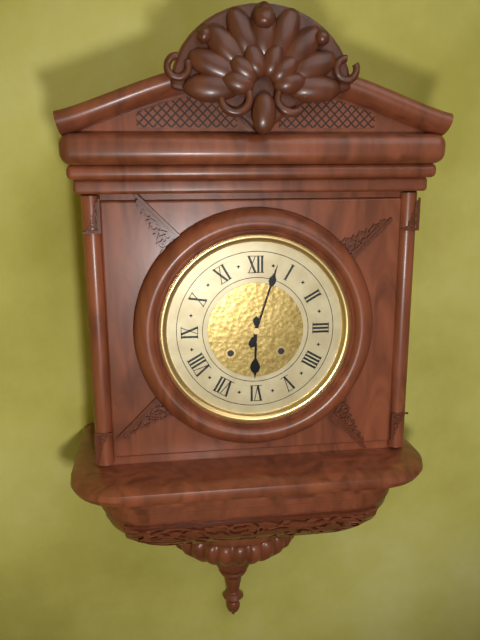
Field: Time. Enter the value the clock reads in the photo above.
6:03
